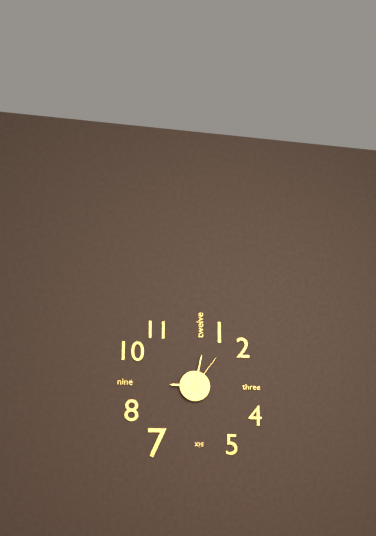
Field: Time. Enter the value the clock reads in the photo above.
9:02
